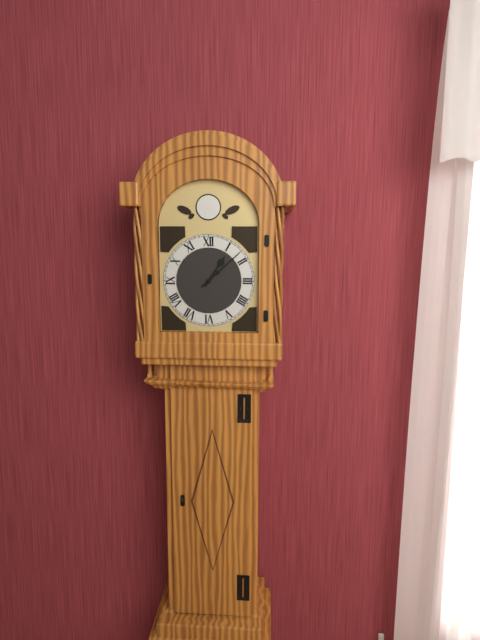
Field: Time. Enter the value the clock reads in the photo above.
1:08
